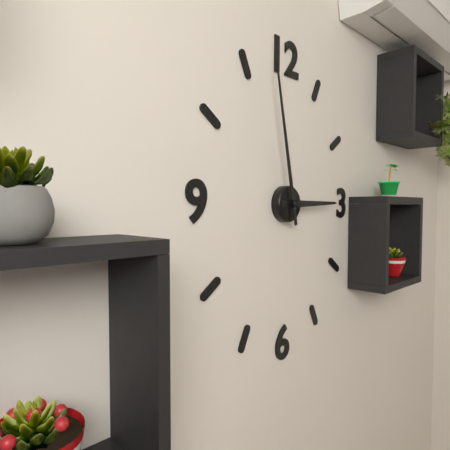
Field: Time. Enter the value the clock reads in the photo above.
2:58
